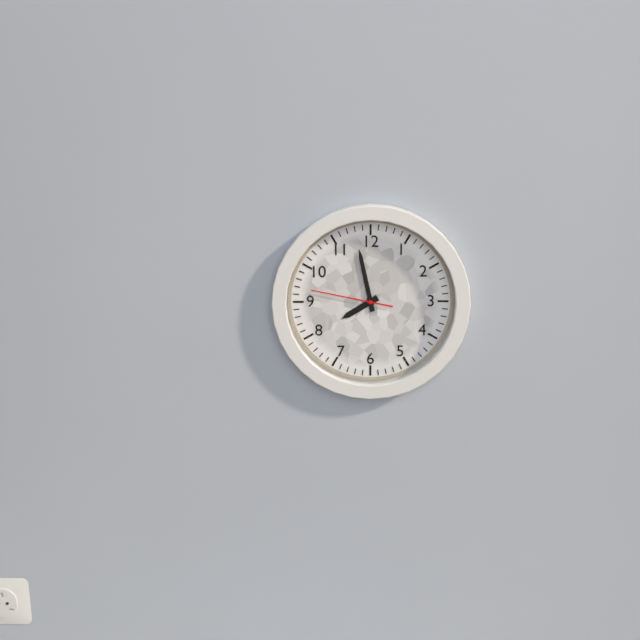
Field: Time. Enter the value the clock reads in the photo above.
7:58:47
